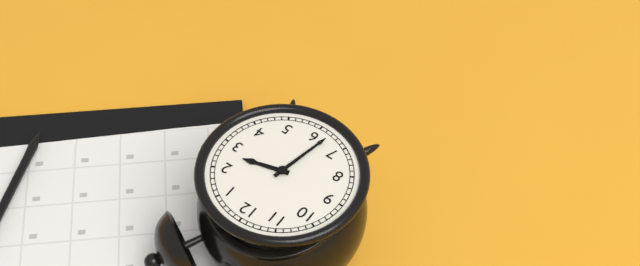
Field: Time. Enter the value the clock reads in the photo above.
2:32
